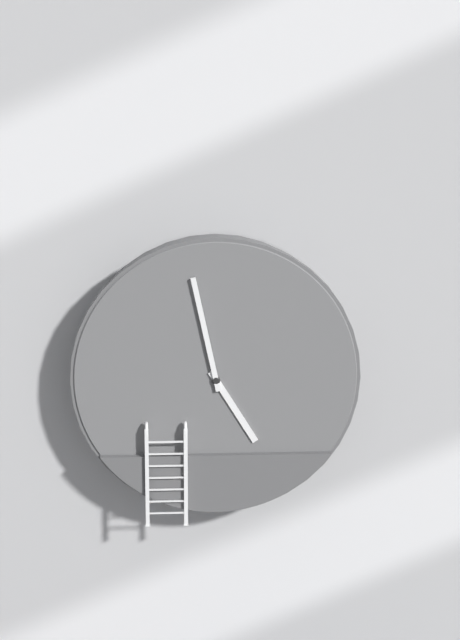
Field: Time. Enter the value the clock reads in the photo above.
4:58
